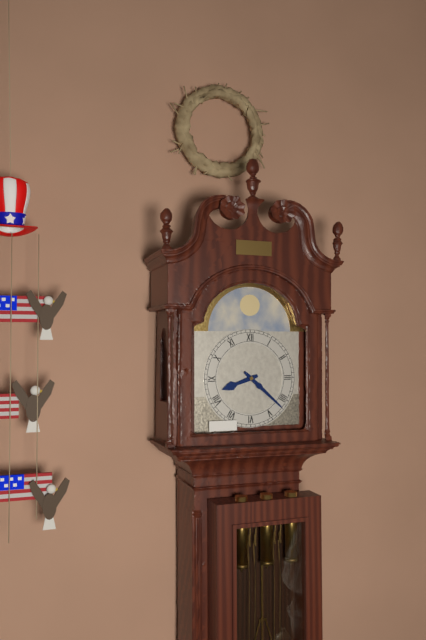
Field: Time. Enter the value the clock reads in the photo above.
8:22
